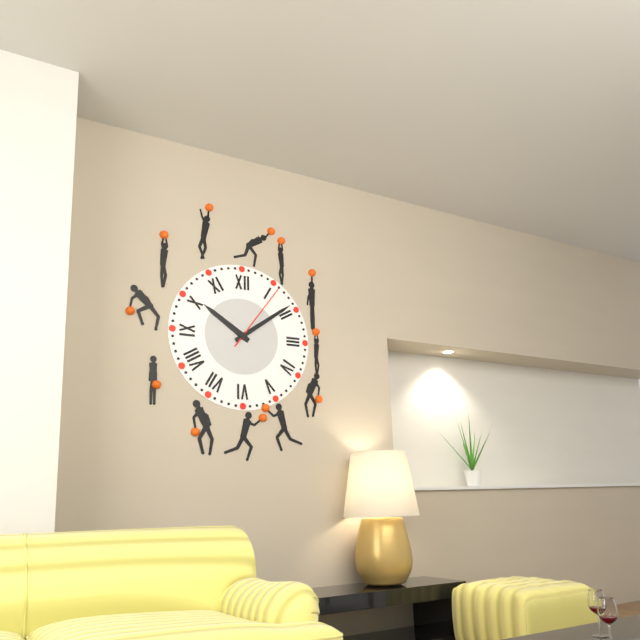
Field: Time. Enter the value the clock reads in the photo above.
10:09:06
